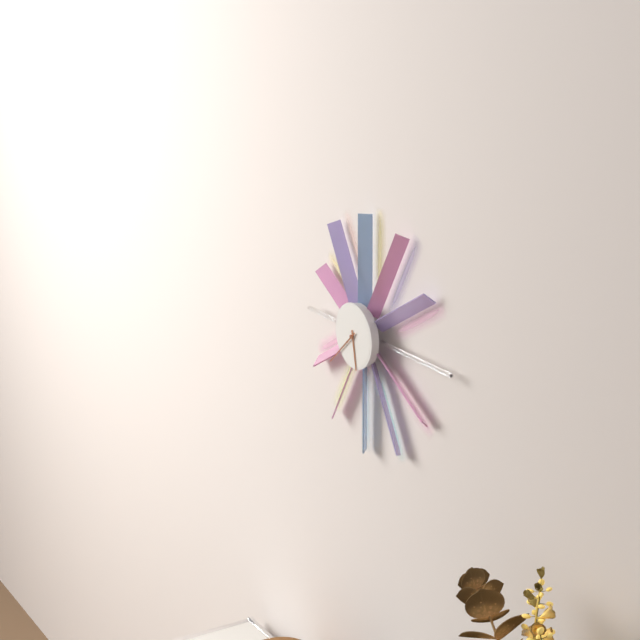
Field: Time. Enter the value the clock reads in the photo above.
5:38
